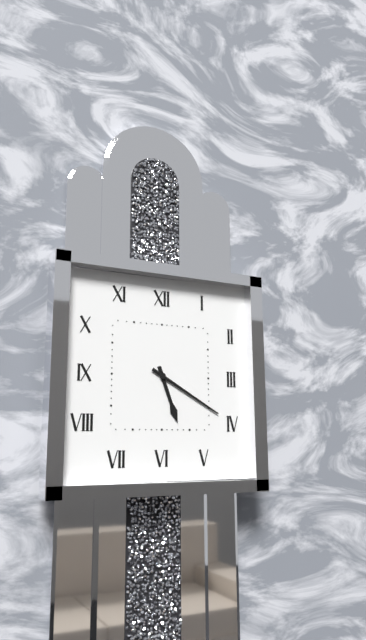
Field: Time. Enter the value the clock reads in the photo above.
5:20
